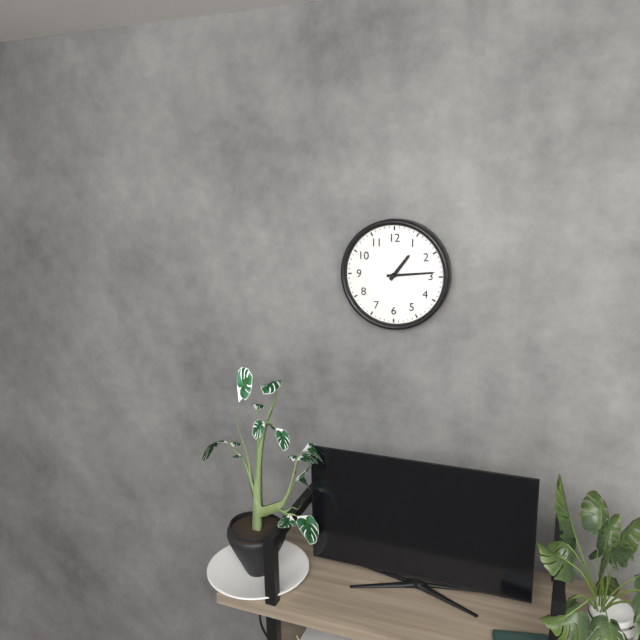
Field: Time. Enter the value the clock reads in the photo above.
1:14
